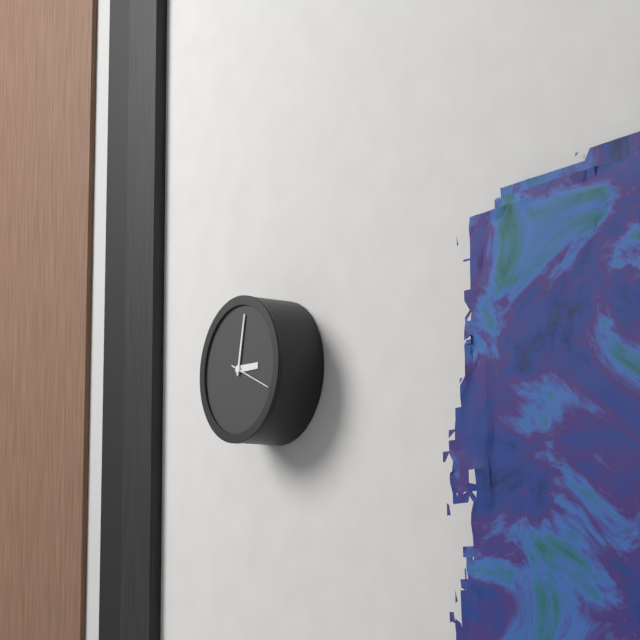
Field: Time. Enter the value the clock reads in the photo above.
3:02
